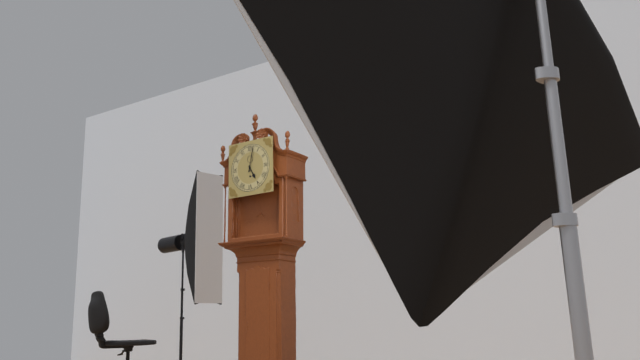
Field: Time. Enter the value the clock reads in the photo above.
5:02
